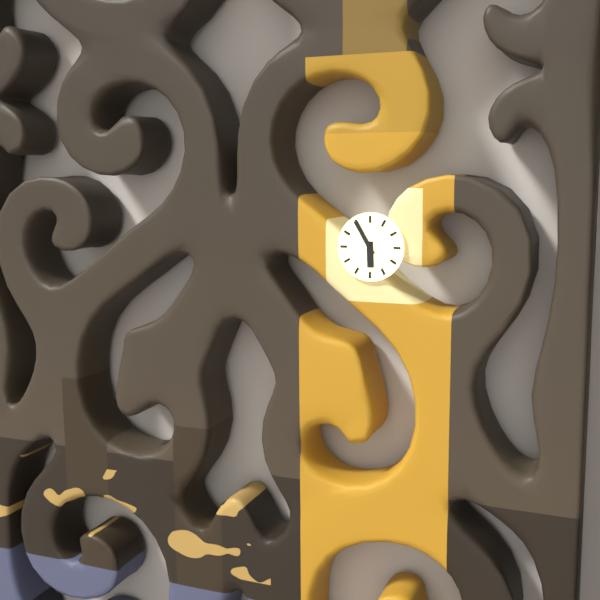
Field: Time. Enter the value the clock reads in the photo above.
5:55
